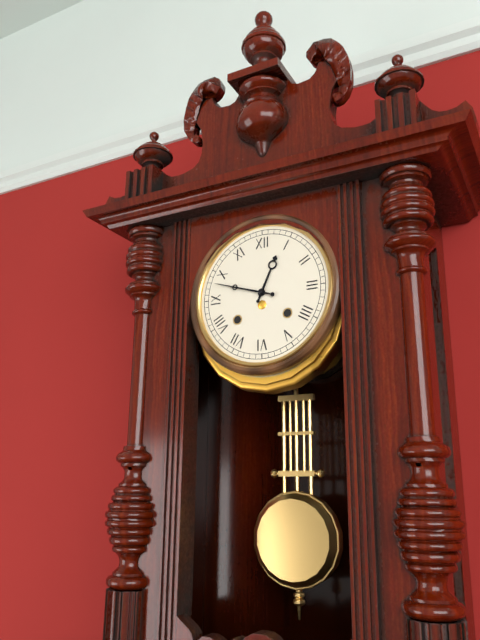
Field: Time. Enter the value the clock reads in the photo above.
12:48
